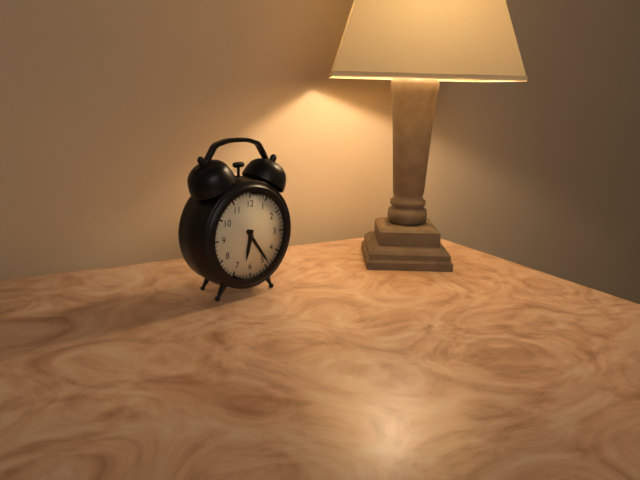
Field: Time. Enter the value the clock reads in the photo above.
6:24
